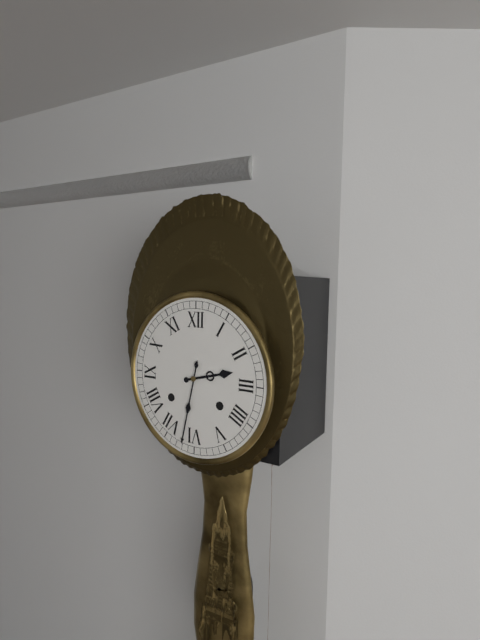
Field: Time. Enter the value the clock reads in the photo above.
2:32
